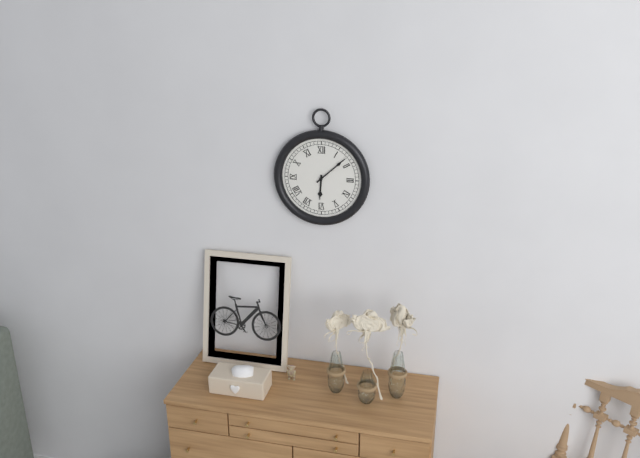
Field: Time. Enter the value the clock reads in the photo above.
6:08
